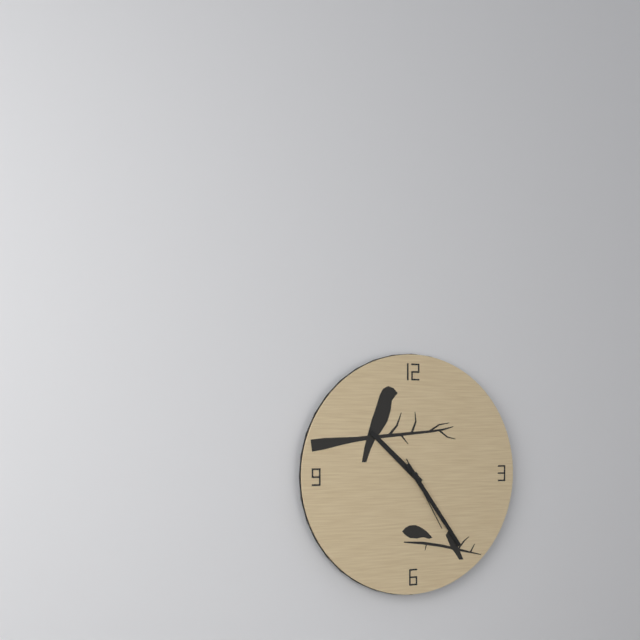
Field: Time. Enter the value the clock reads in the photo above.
10:24:25
